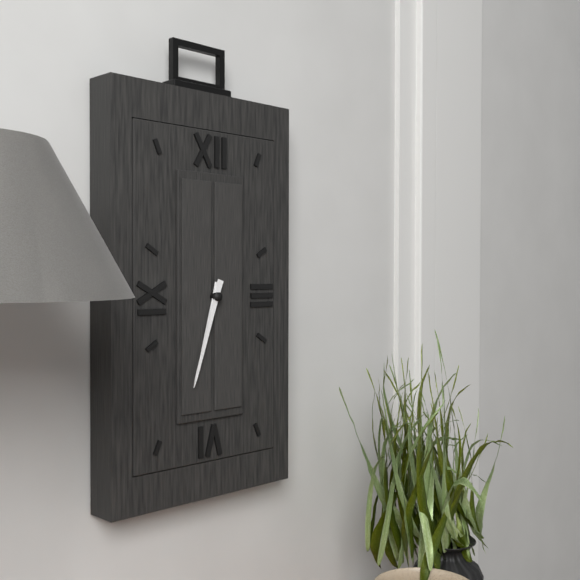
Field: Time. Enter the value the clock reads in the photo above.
6:33
